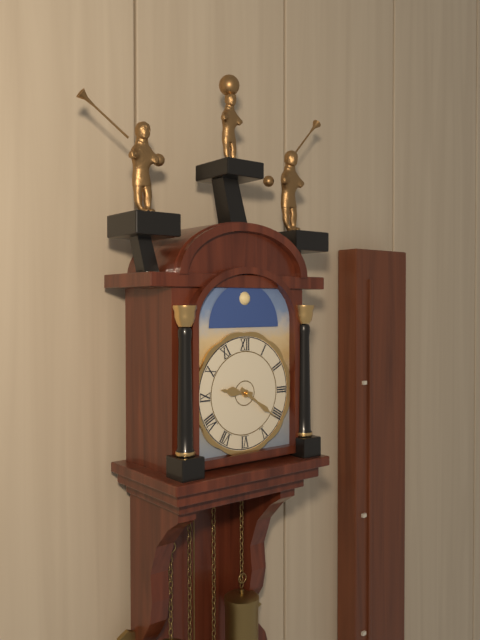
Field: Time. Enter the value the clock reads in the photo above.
9:21
